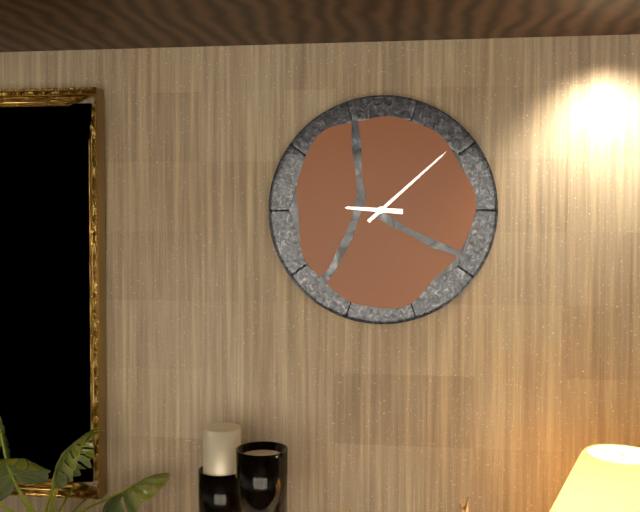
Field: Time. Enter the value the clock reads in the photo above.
9:08:08
